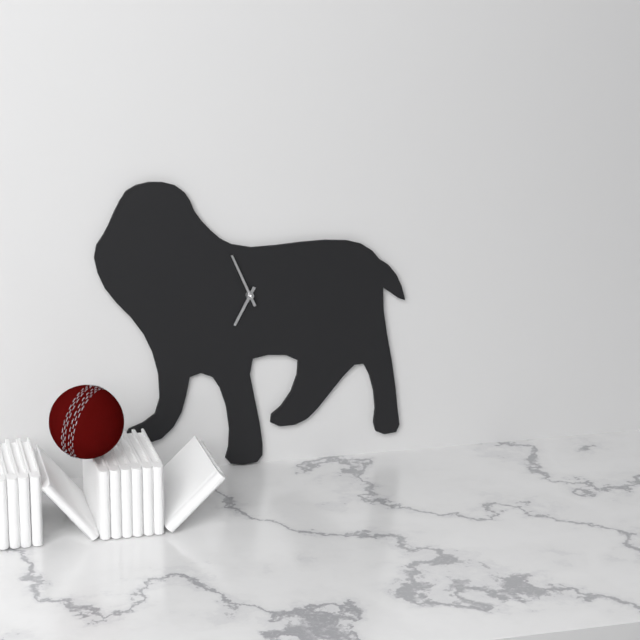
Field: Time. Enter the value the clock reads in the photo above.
6:56
